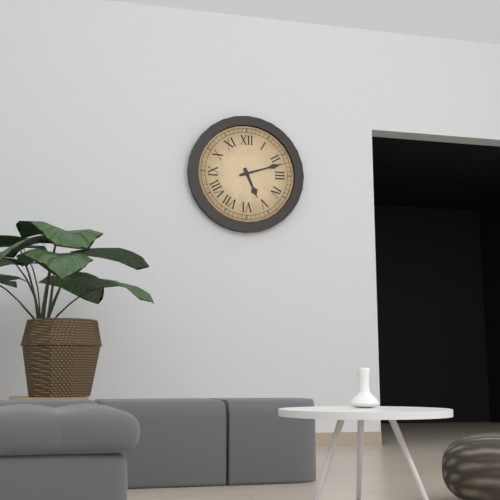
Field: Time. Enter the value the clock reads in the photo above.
5:12
